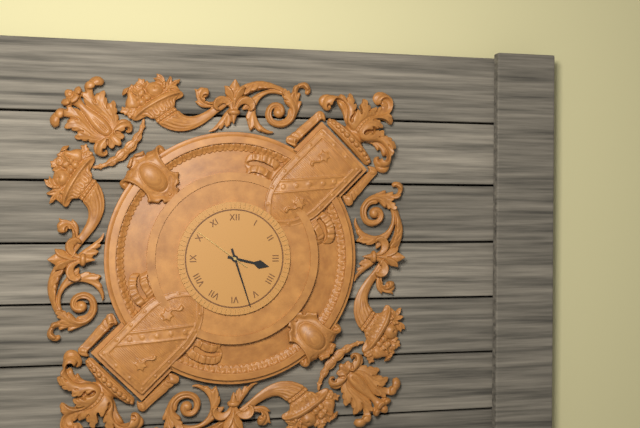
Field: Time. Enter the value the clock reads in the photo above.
3:27:51
